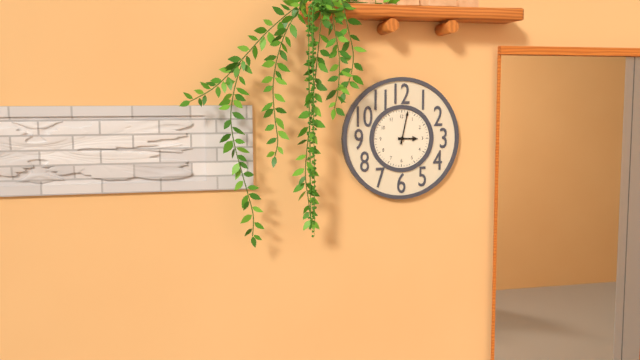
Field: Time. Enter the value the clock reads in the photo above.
3:02
